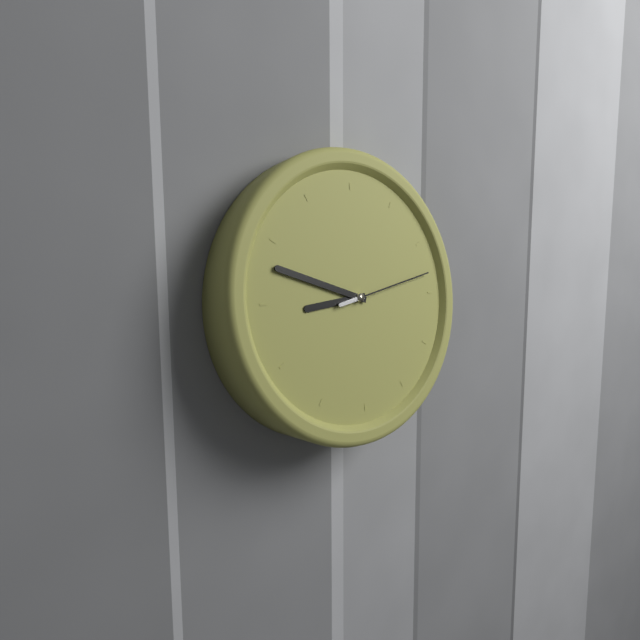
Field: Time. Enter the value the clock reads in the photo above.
8:48:13
